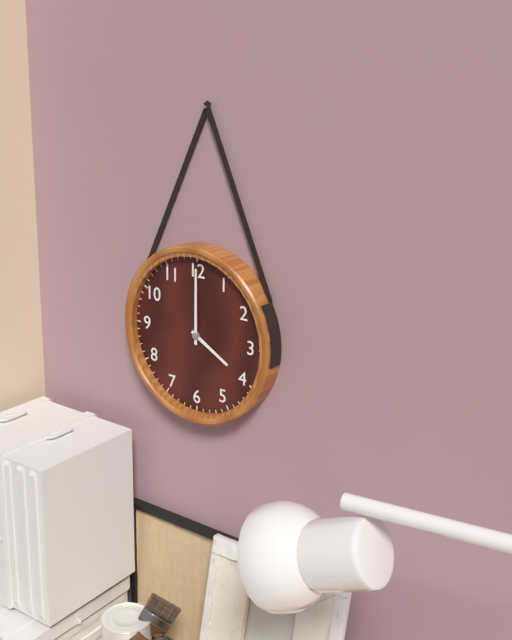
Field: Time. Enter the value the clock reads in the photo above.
4:00
